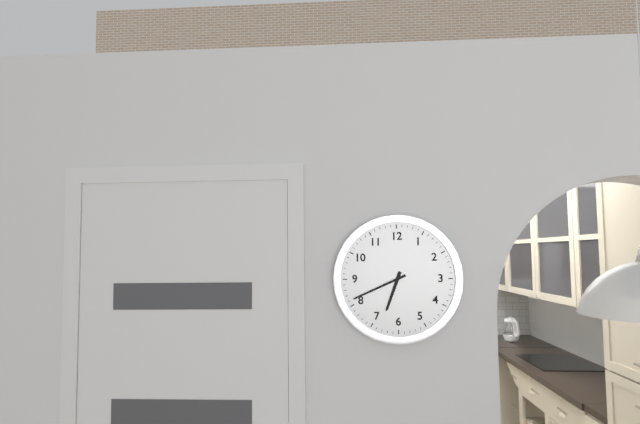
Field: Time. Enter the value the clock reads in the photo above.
6:41
